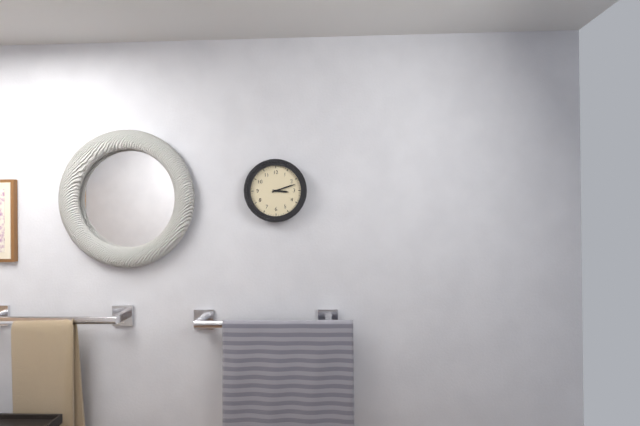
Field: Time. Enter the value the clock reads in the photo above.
3:12
